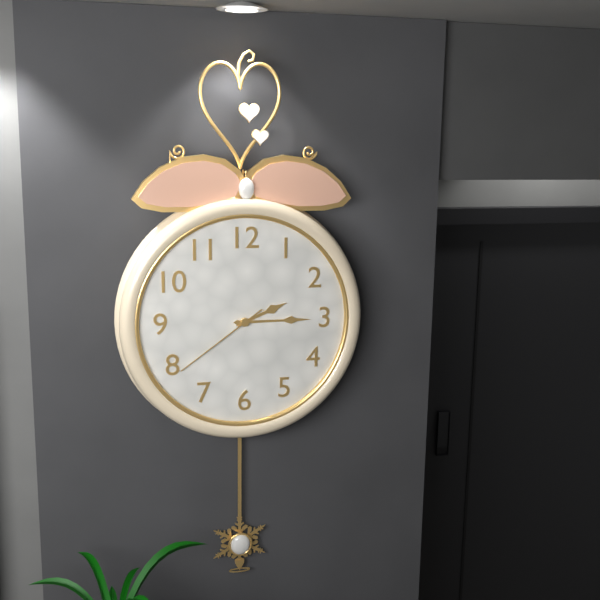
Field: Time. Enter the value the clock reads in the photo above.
2:15:39
